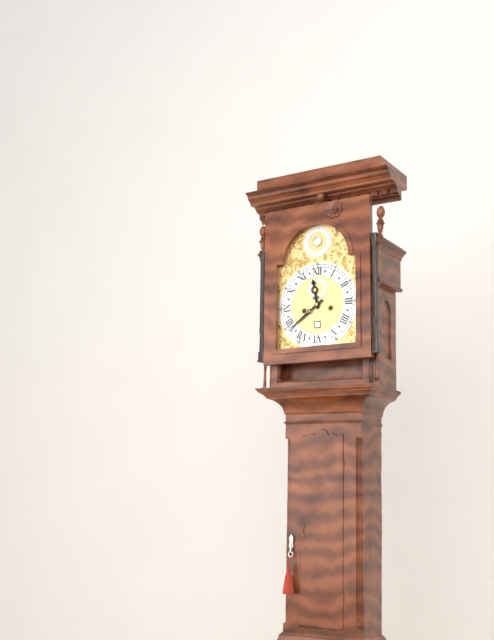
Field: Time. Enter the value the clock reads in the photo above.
11:39
